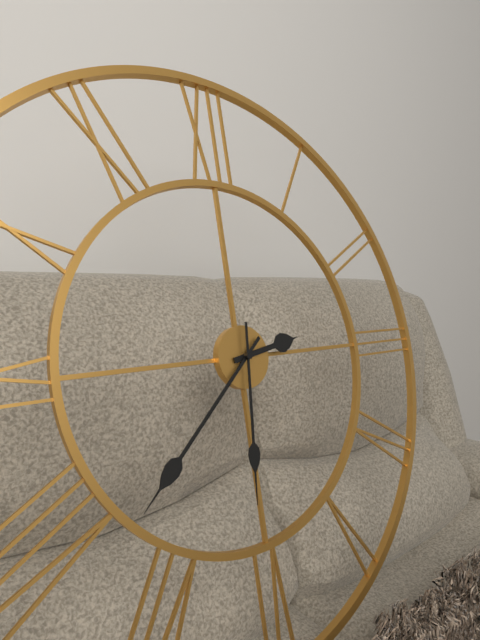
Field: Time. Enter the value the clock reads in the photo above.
2:38:31
